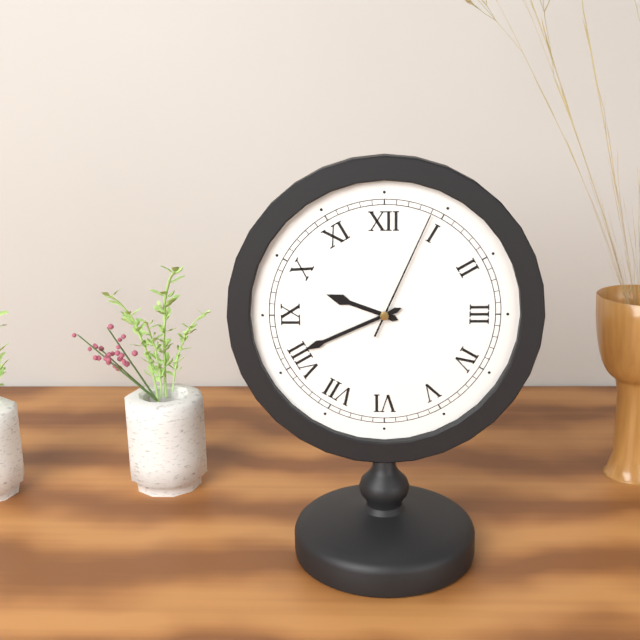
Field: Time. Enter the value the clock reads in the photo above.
9:41:04
